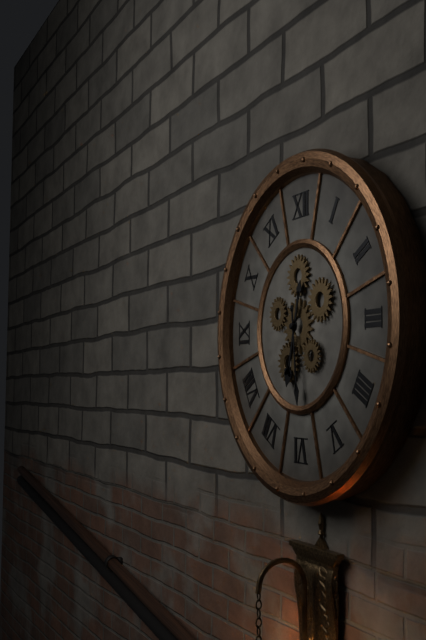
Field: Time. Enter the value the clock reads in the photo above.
6:29
